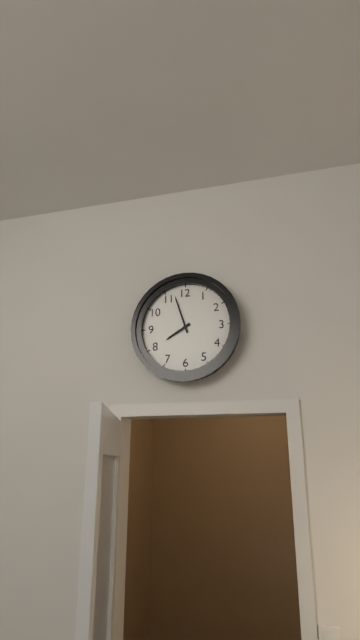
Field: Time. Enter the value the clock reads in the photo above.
7:57
